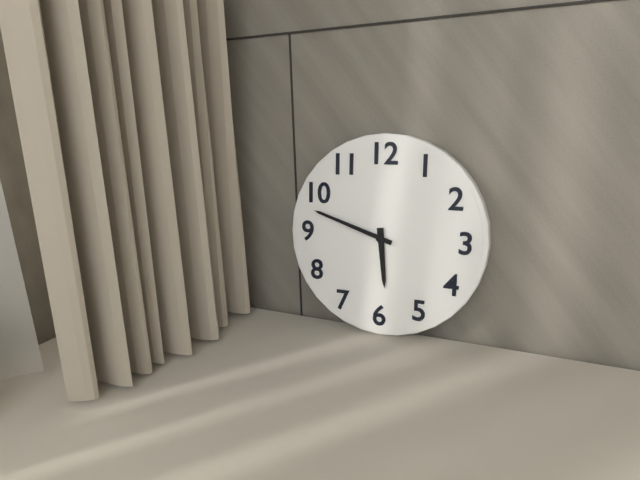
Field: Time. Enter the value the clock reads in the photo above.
5:48
